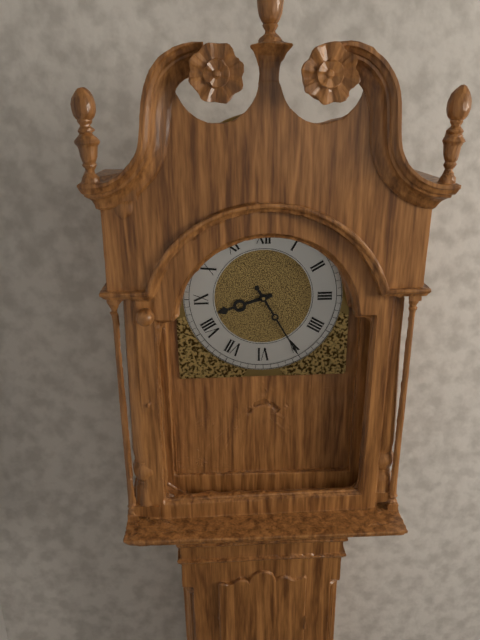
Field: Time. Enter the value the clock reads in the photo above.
8:25
